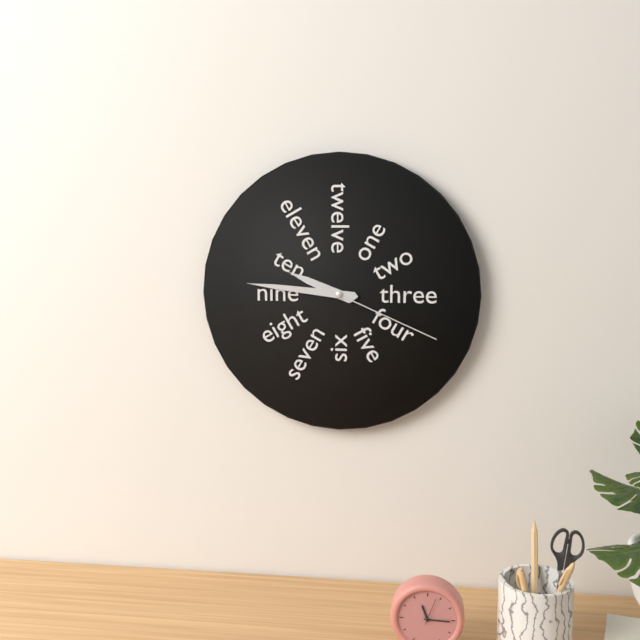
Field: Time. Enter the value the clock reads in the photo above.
9:46:19
